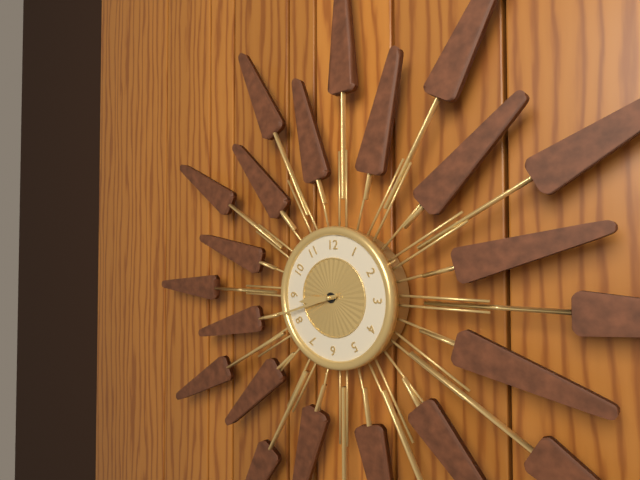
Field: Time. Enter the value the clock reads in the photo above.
8:42
